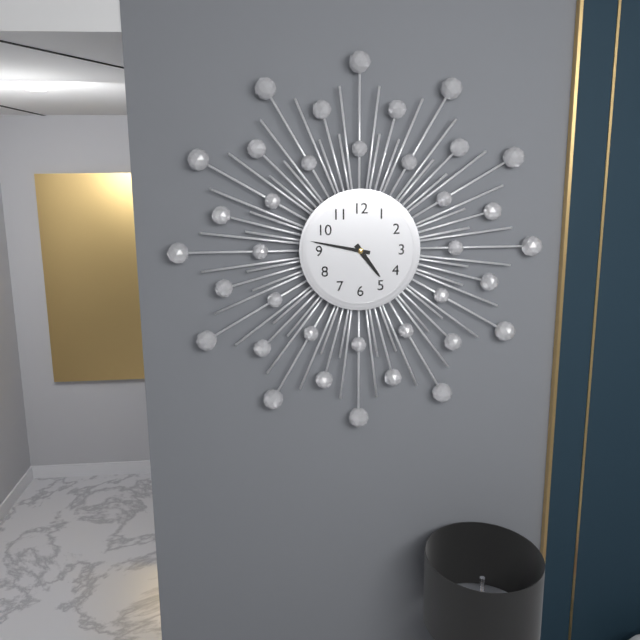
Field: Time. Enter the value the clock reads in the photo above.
4:47
